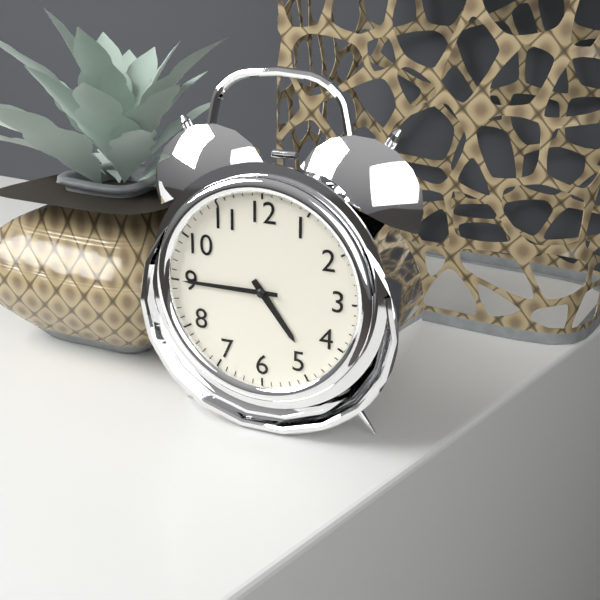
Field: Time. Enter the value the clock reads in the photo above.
4:45
